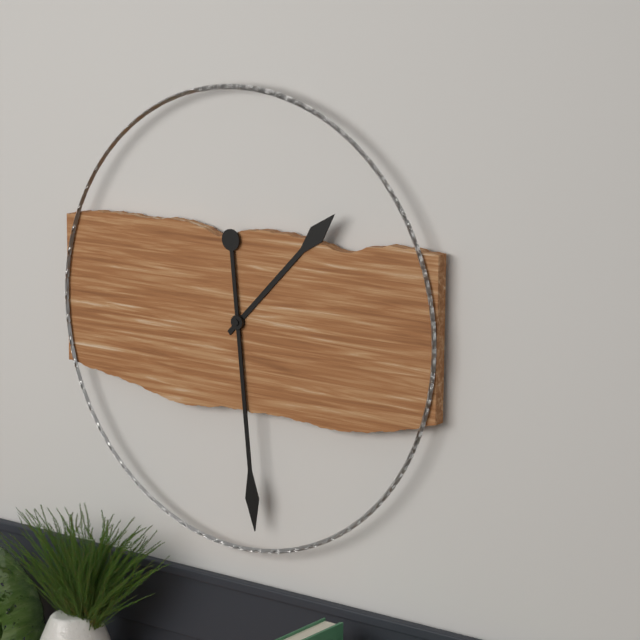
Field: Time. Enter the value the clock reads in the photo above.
1:29
